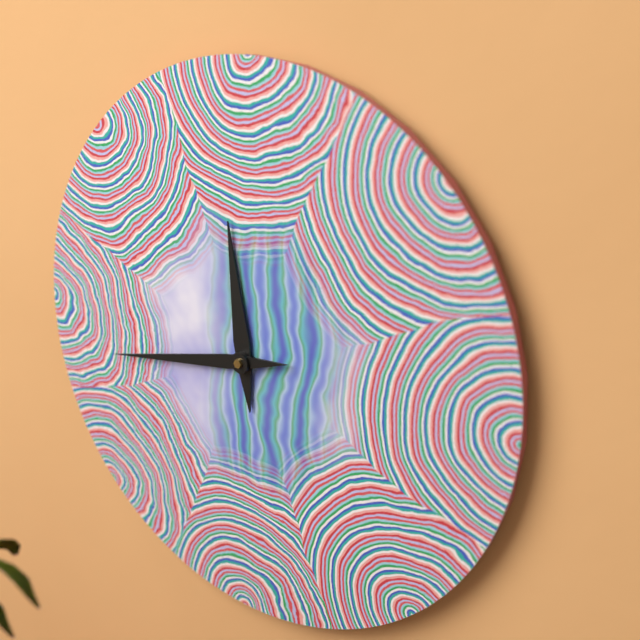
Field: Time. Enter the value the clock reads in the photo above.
11:43
